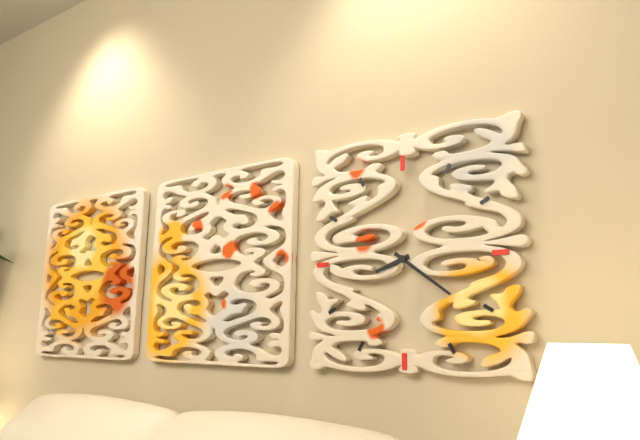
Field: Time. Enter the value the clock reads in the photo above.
8:21
